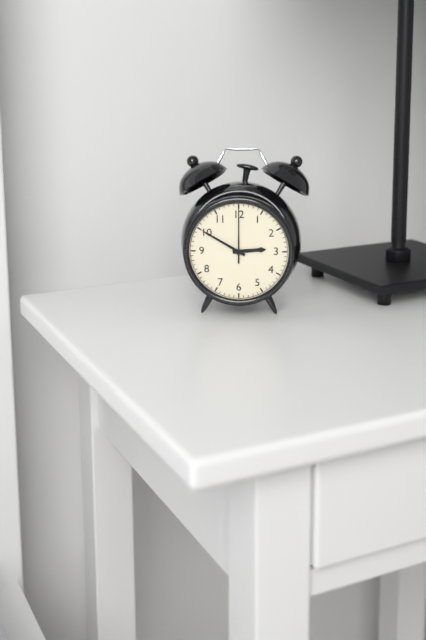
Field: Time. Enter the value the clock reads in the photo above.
2:50:00
